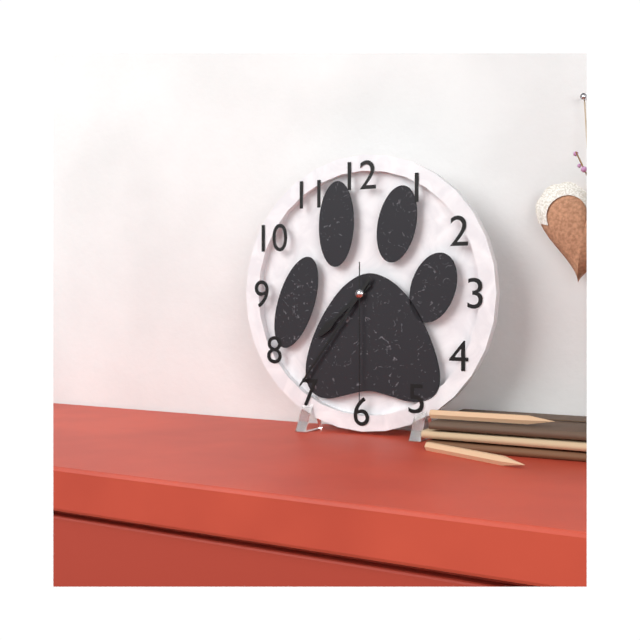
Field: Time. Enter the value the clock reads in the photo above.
7:36:30
